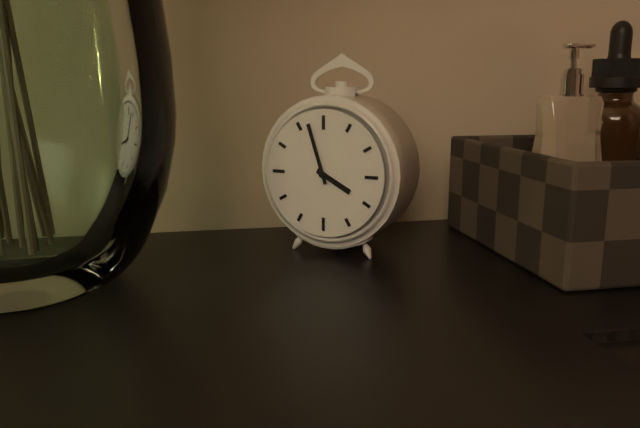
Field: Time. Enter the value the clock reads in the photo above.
3:57
